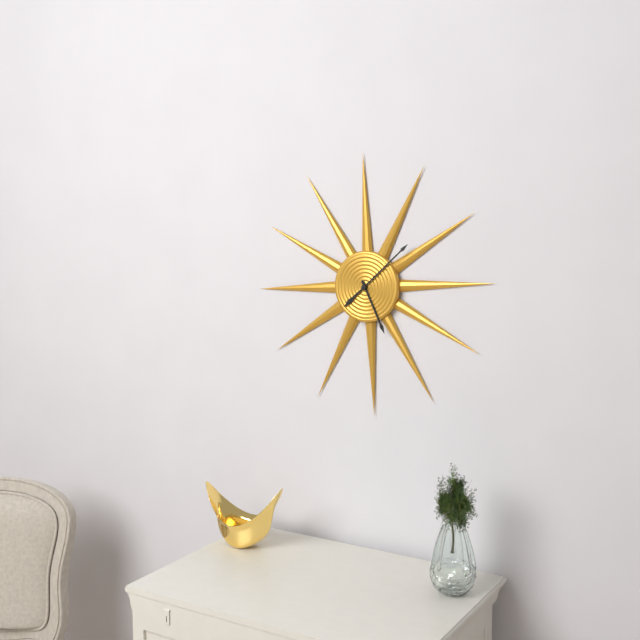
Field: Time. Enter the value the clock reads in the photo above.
5:08
